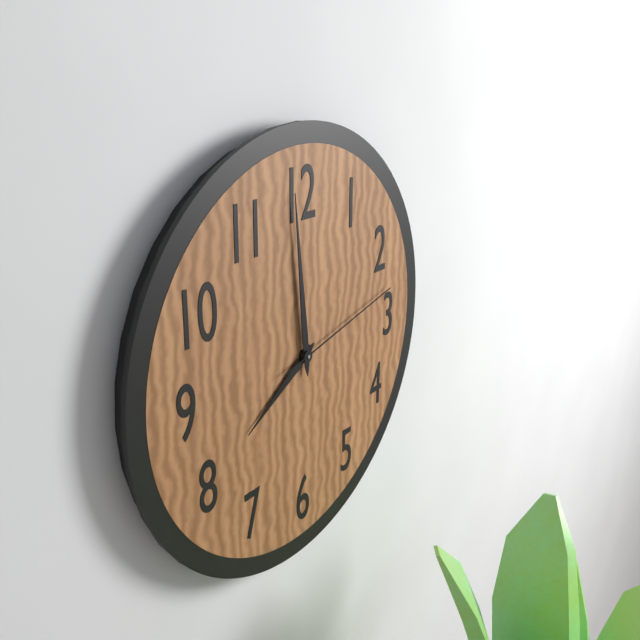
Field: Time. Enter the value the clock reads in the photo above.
7:59:13
